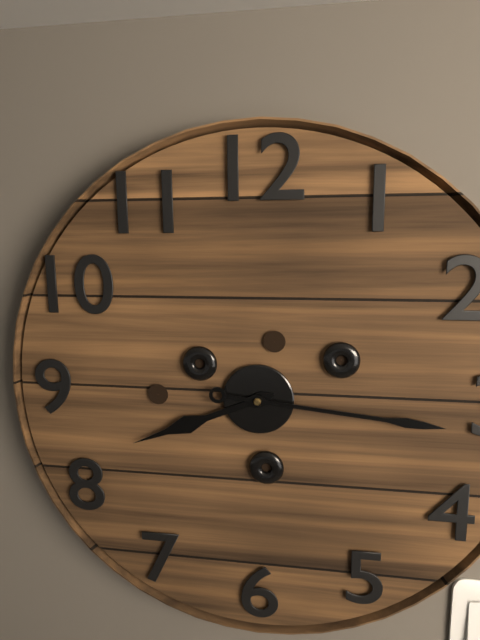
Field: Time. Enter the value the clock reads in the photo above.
8:16
